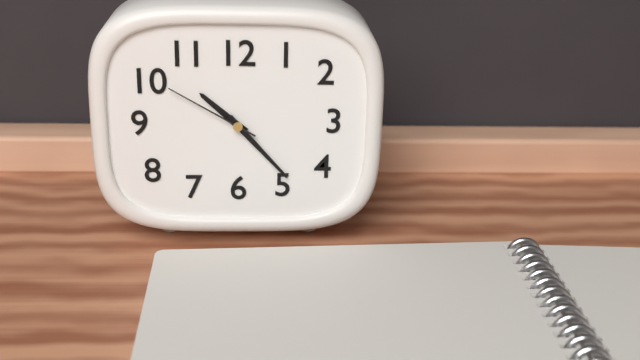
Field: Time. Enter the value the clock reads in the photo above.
10:23:50
